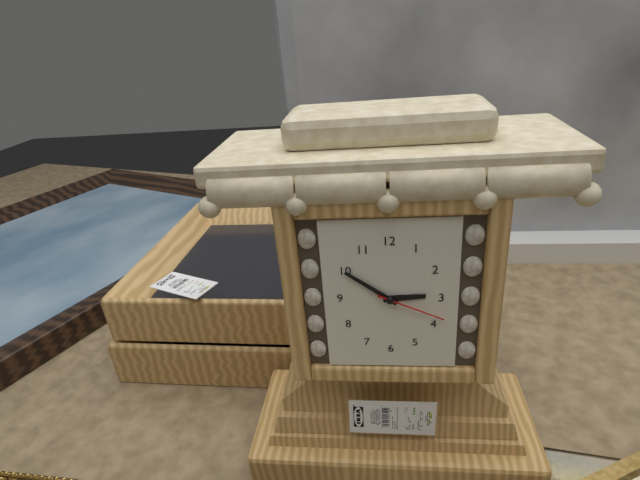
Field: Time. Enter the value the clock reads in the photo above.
2:51:19
